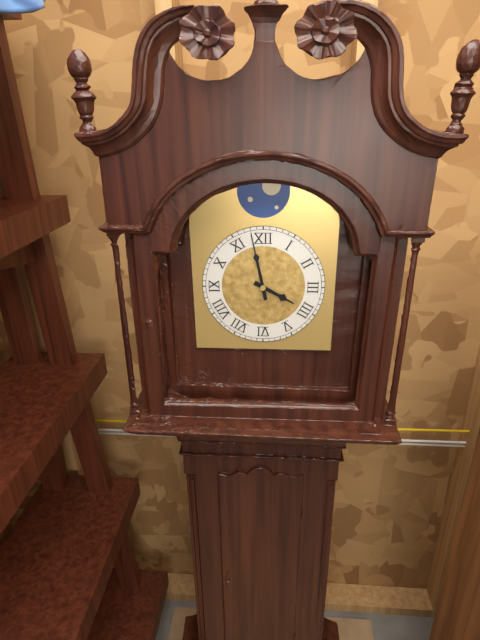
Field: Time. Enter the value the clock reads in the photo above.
3:58
